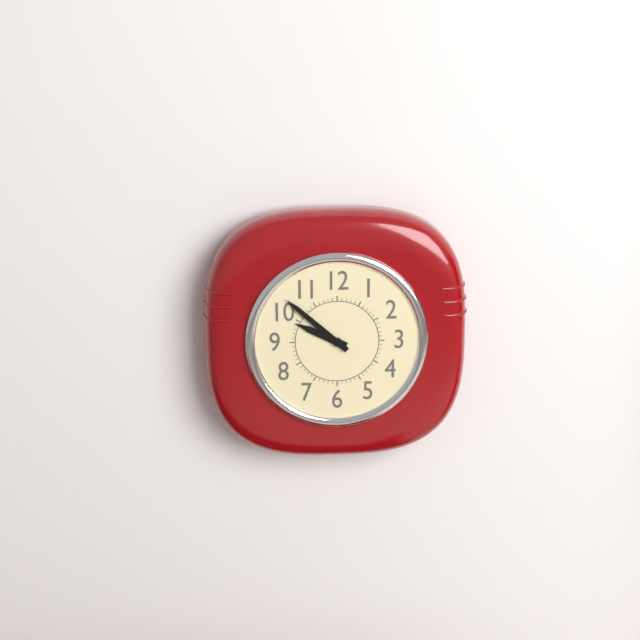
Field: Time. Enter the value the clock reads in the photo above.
9:52
